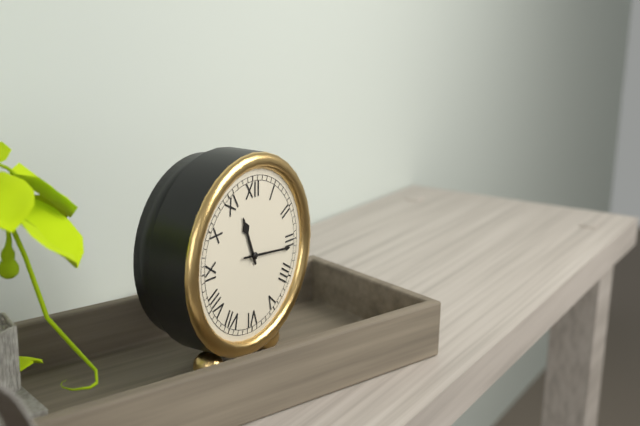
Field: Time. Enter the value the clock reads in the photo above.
11:16
